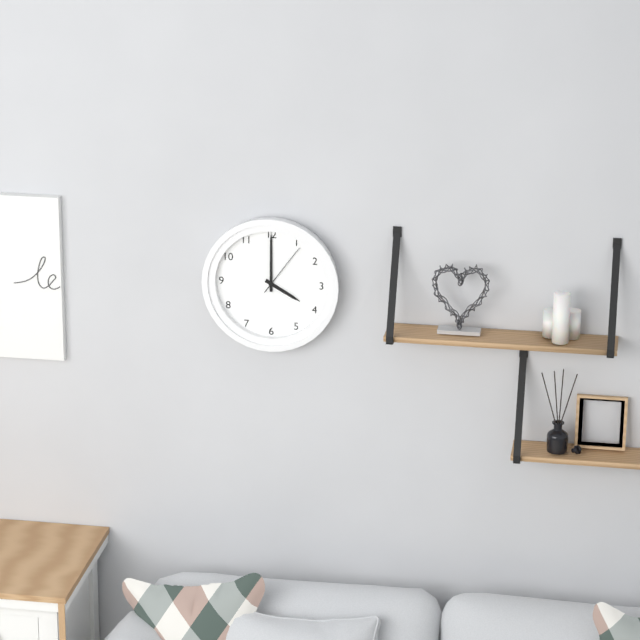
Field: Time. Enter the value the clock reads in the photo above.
4:00:06
